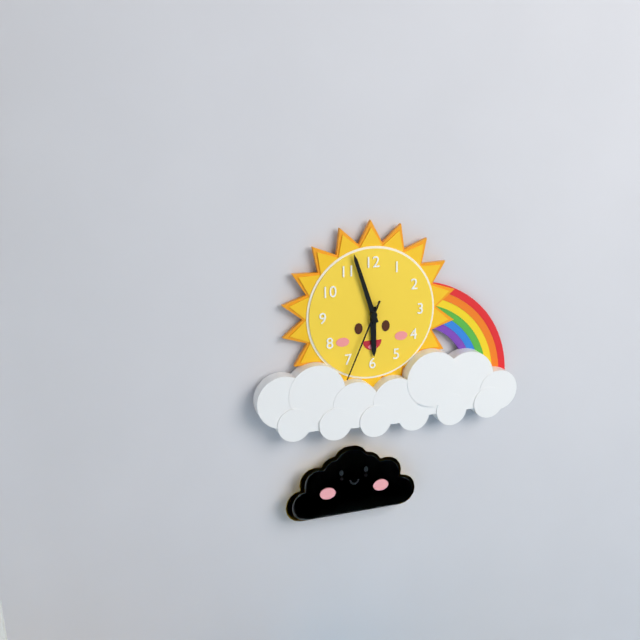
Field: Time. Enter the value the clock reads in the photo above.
5:57:34
